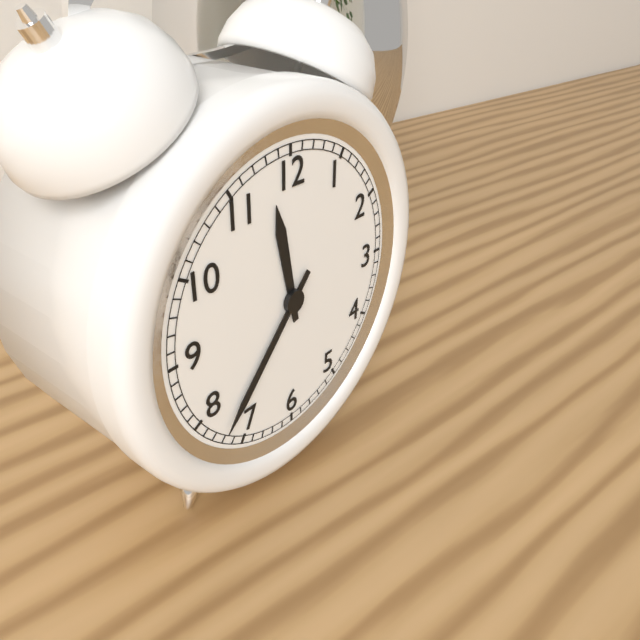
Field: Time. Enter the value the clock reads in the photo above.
11:37
